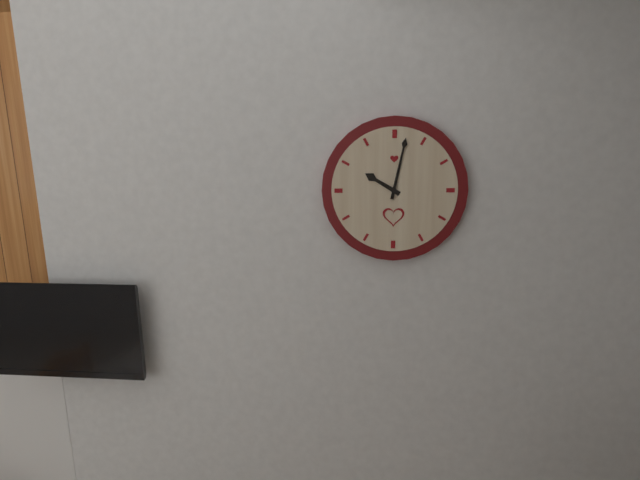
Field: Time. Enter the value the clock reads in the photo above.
10:02
